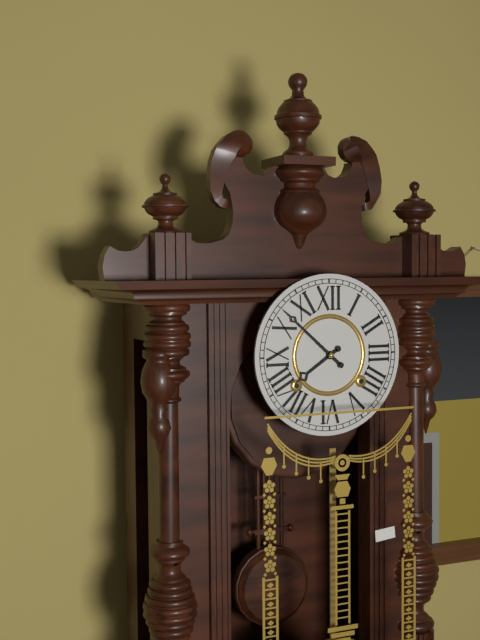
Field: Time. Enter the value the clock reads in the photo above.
7:52
